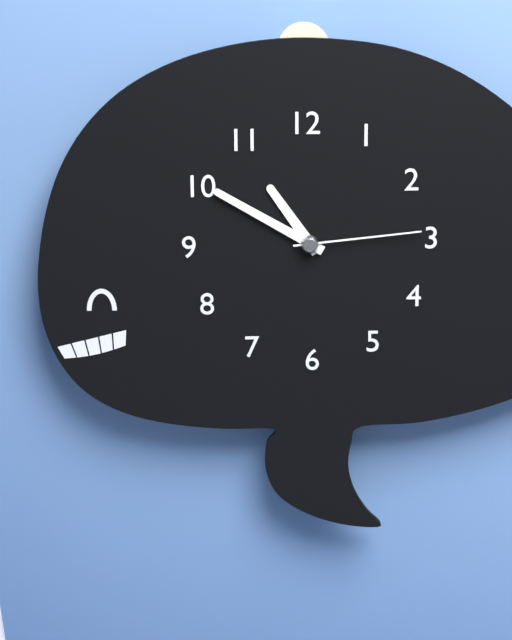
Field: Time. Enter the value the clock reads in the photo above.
10:50:14
